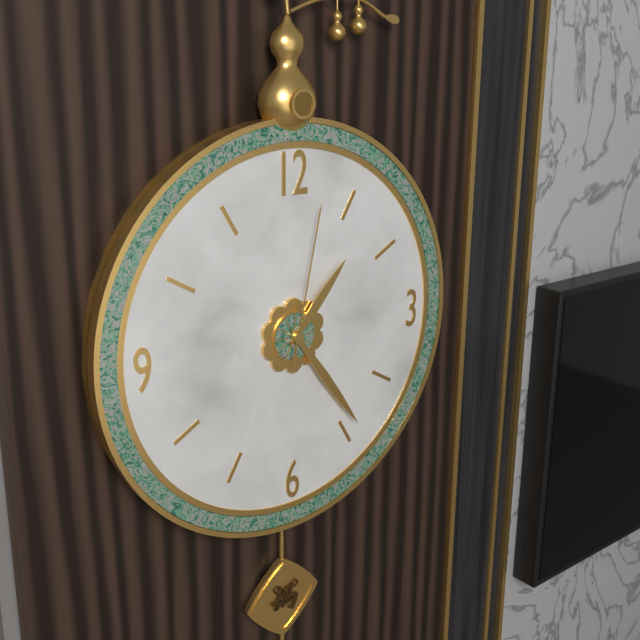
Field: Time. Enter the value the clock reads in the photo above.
1:24:02
